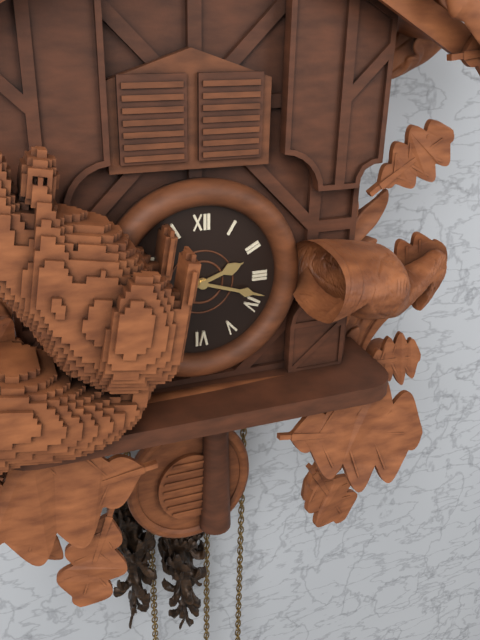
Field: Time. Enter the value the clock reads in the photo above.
2:18
